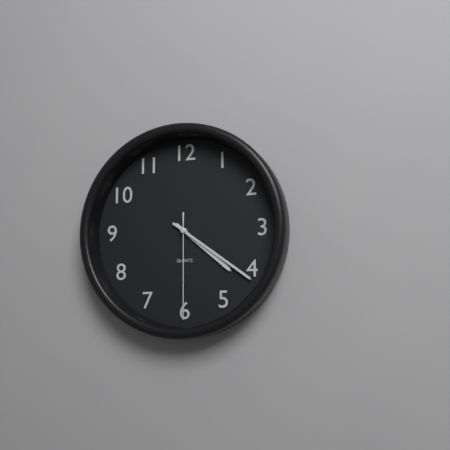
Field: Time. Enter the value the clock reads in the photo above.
4:21:30
